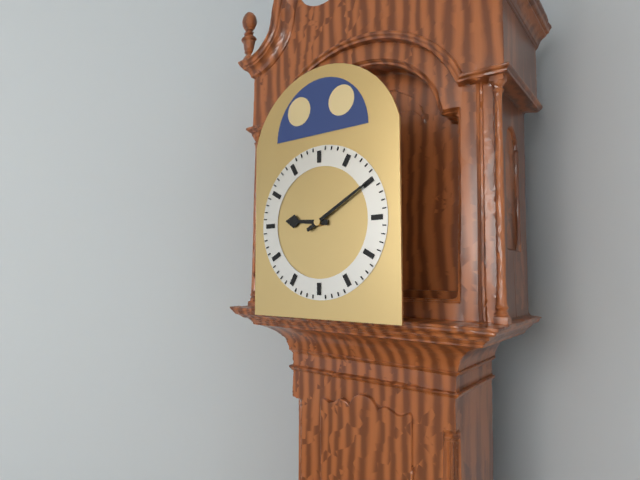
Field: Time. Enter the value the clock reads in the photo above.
9:10
